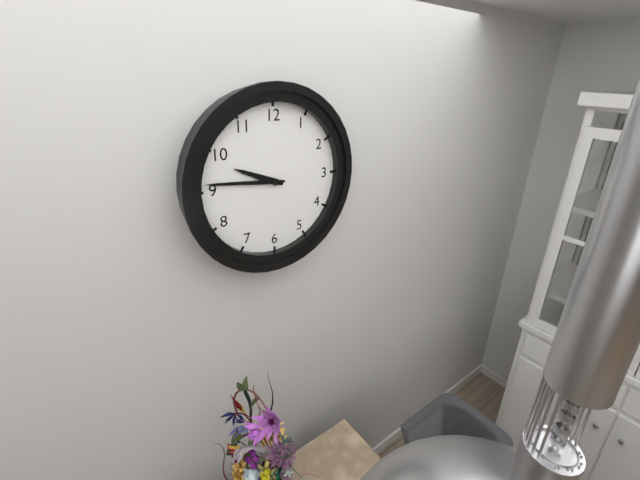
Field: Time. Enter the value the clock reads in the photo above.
9:46
